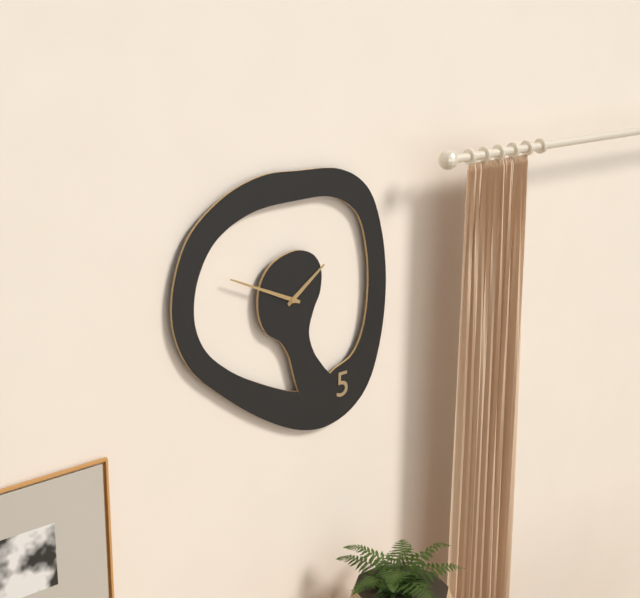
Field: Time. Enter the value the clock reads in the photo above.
1:49
